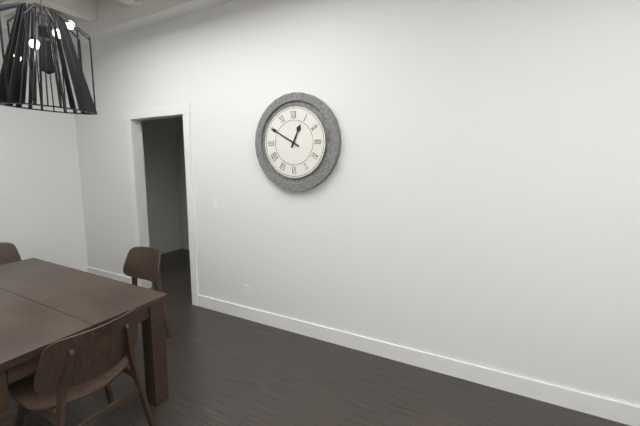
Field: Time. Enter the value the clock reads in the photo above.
12:50
